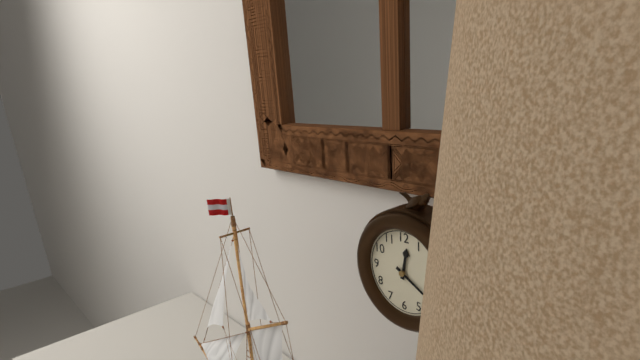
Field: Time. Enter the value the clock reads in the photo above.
12:20
